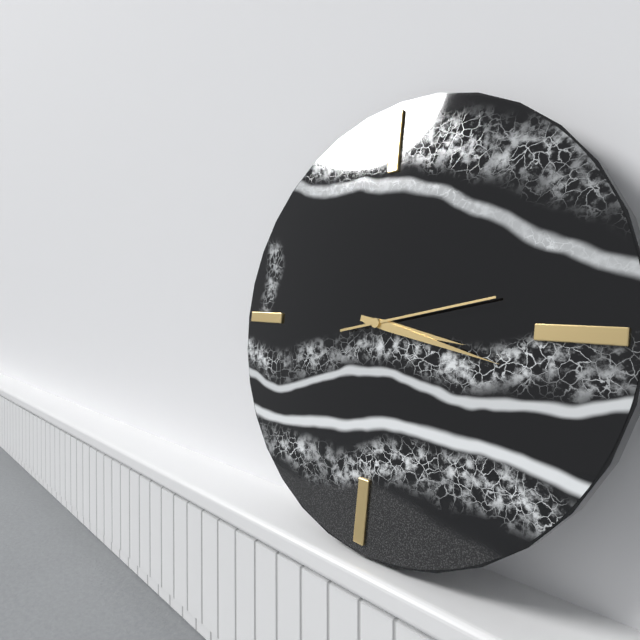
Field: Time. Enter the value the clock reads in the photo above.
3:17:13
